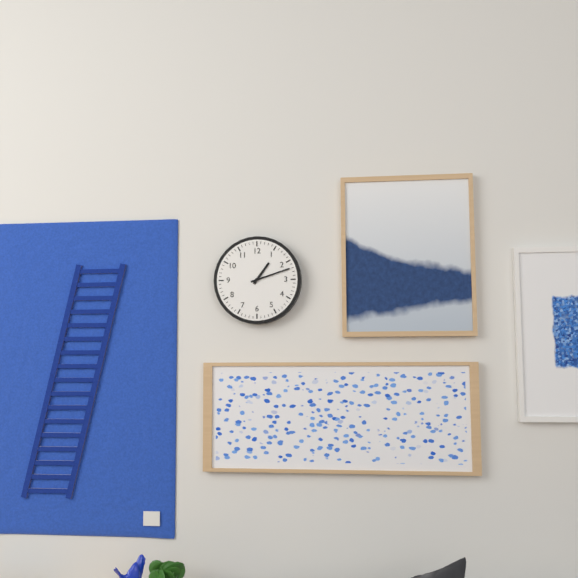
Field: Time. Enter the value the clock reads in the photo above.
1:12
